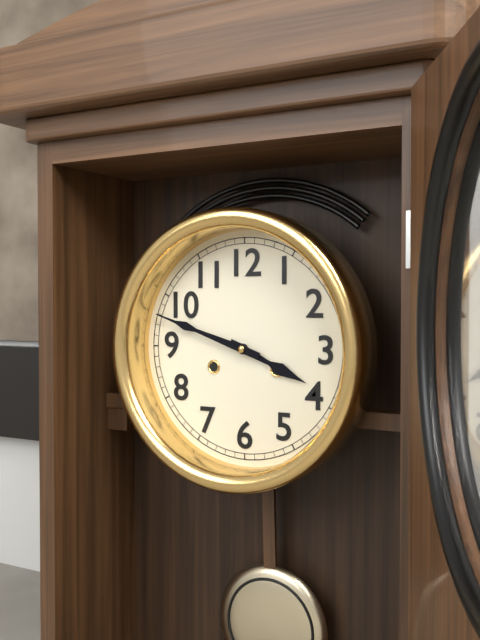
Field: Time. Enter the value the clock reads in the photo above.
3:48
